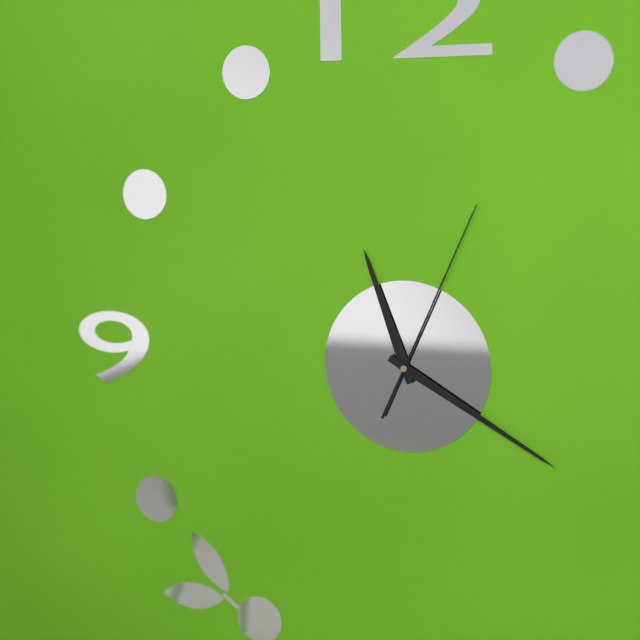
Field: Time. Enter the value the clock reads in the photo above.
11:20:04
